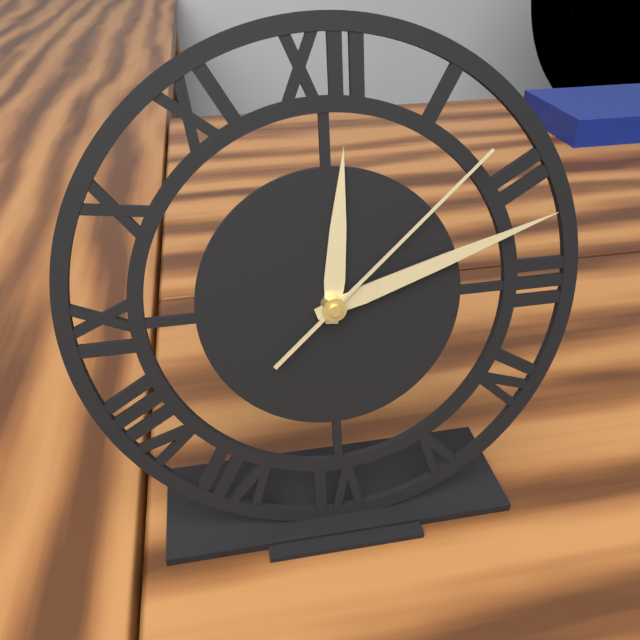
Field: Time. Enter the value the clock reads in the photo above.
12:12:08
